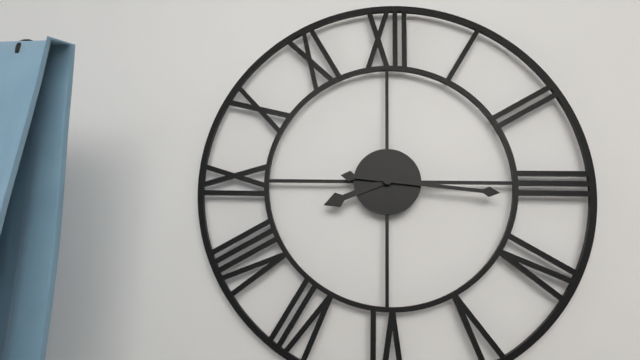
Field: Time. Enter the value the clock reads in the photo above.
8:16
